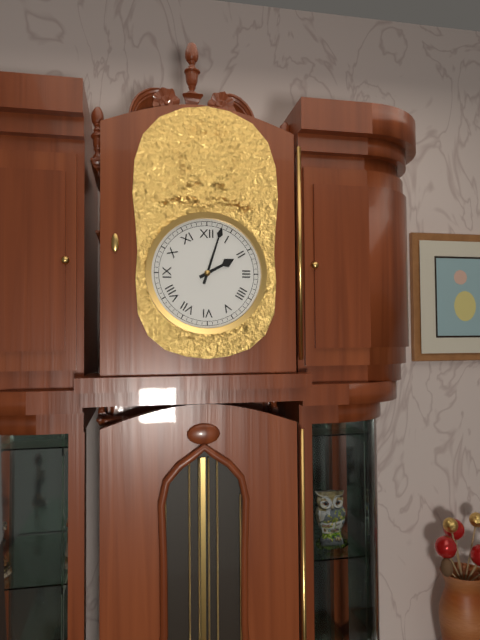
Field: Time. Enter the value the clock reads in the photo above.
2:03
